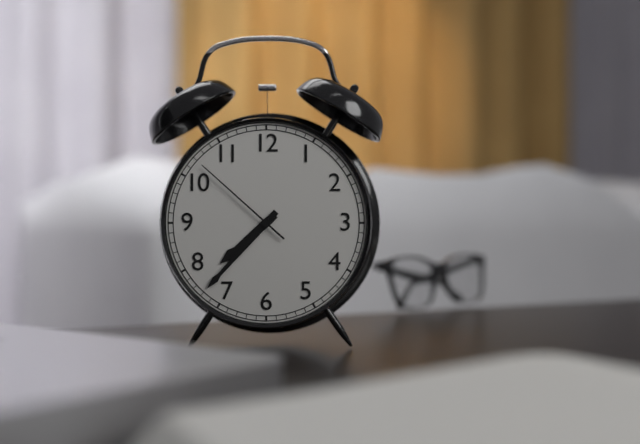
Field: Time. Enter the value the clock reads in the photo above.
7:37:52
